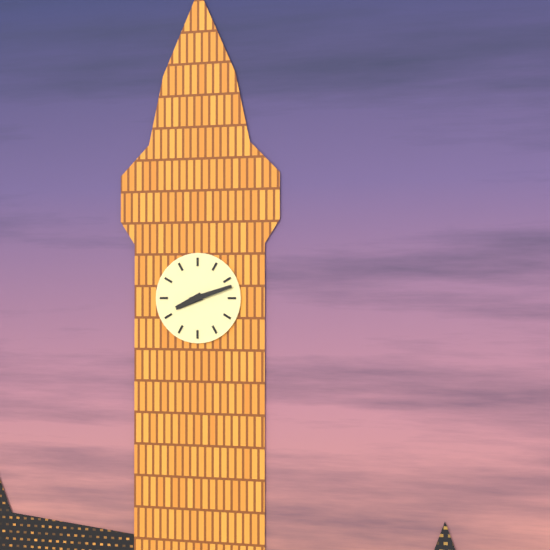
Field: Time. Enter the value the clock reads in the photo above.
8:12
